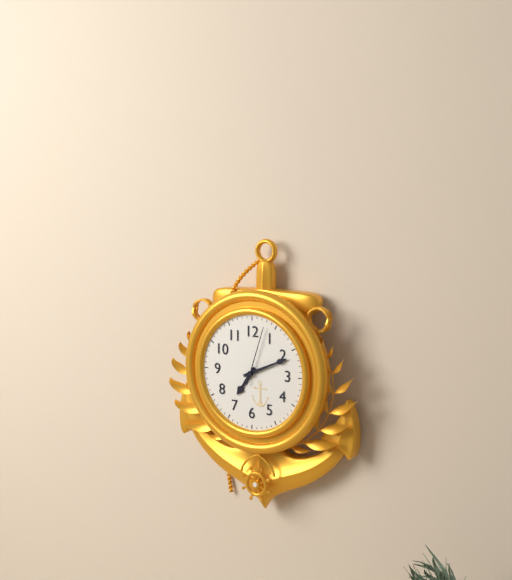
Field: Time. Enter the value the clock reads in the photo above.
7:11:03
